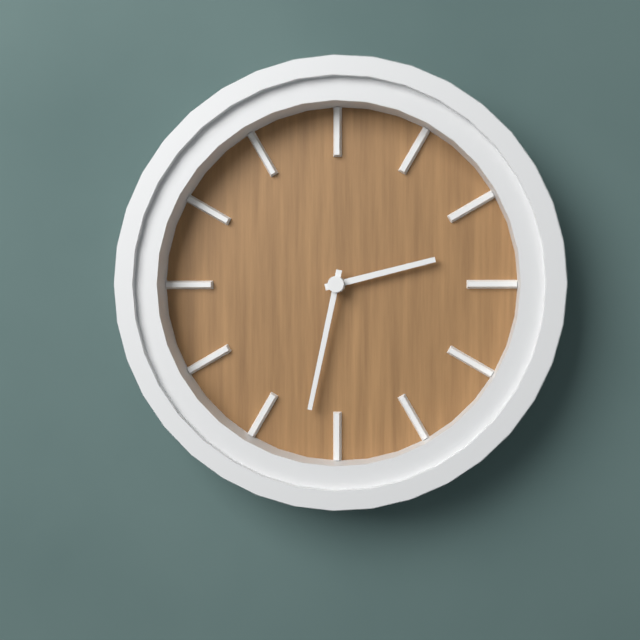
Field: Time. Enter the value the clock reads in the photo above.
2:32
